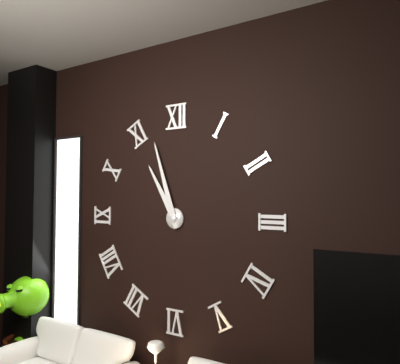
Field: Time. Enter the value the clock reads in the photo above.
10:57
